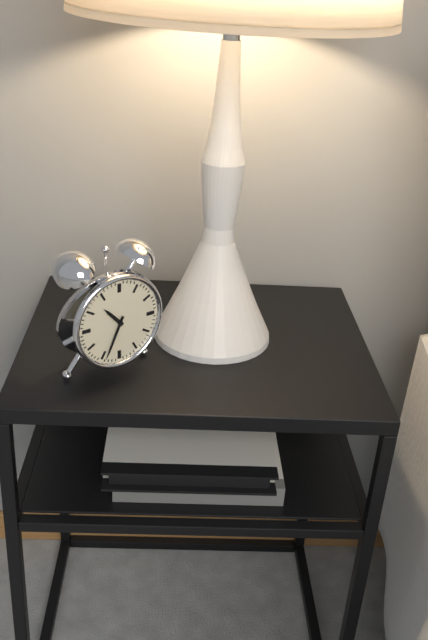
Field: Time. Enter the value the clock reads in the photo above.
10:34
